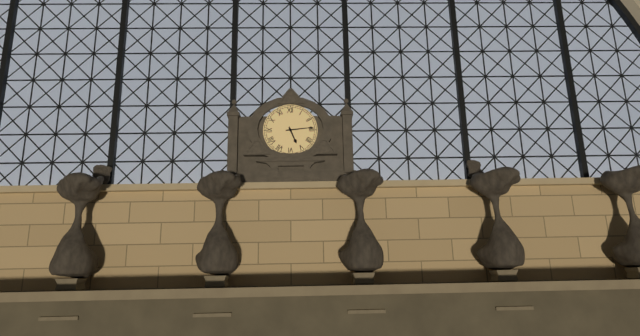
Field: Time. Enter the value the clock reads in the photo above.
5:14
